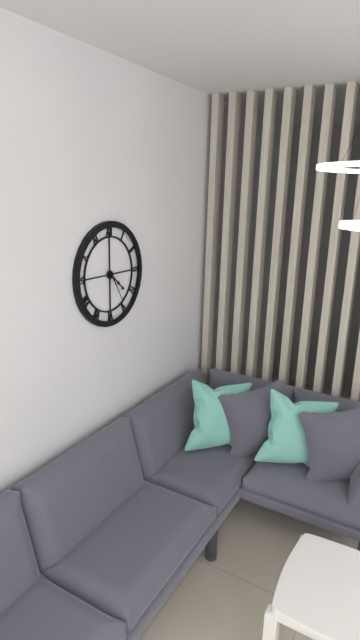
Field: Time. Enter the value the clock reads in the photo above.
4:22
